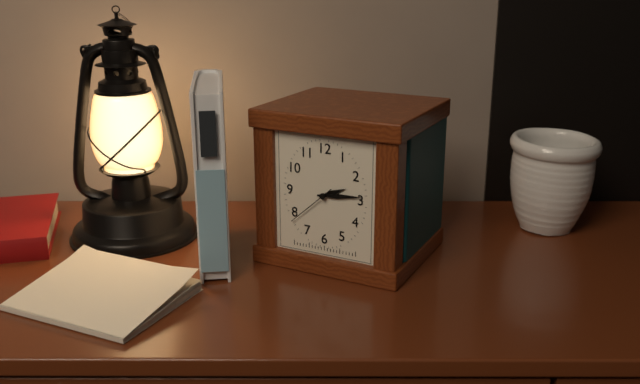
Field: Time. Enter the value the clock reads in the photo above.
2:14:38
